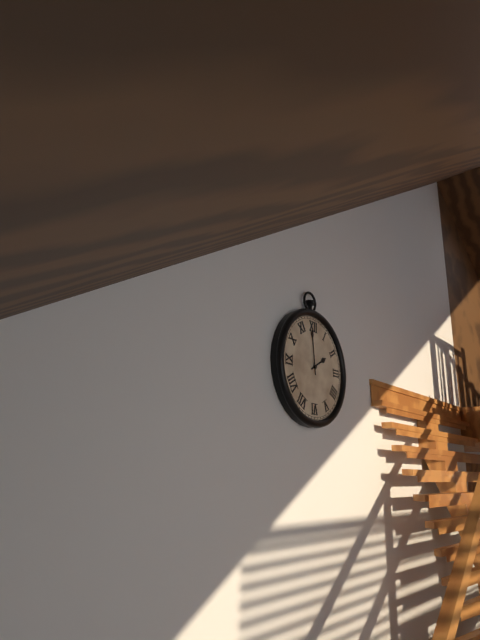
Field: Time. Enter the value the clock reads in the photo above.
1:59
